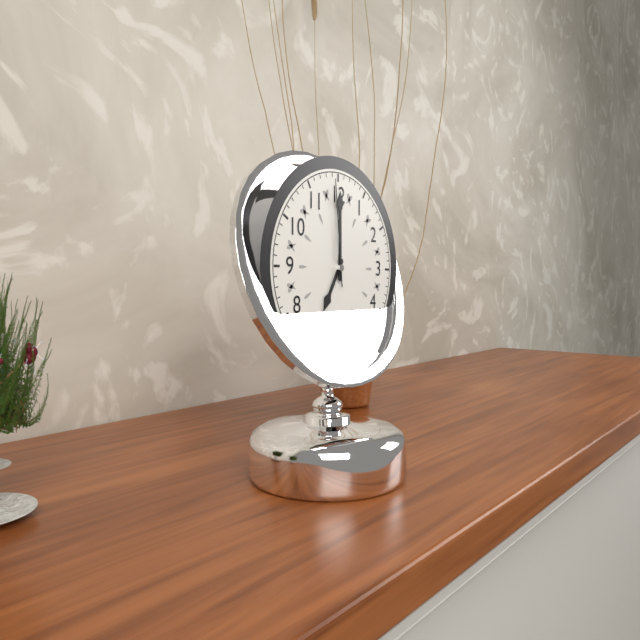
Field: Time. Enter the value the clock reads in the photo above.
7:00:59
